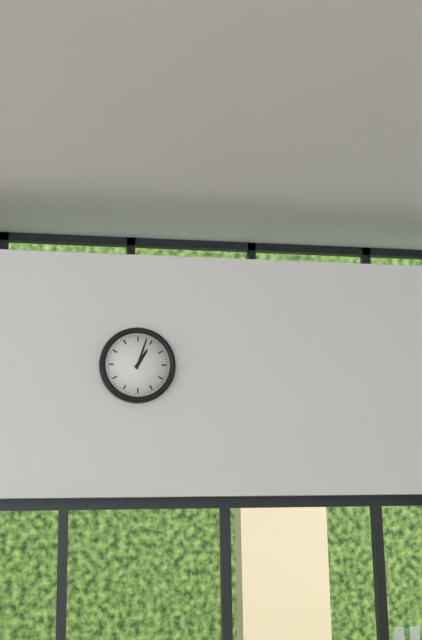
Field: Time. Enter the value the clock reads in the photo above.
1:03
